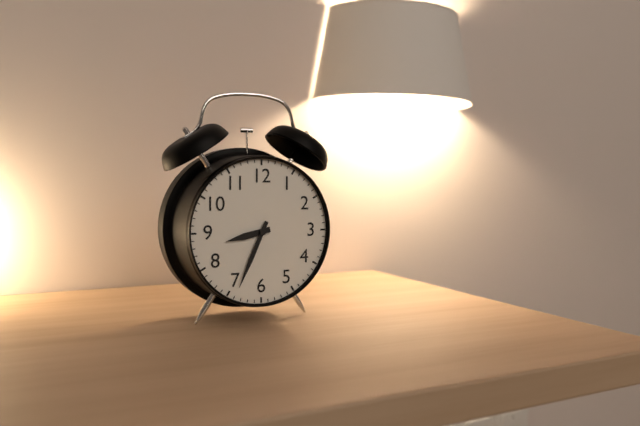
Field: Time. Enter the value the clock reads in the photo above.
8:34
